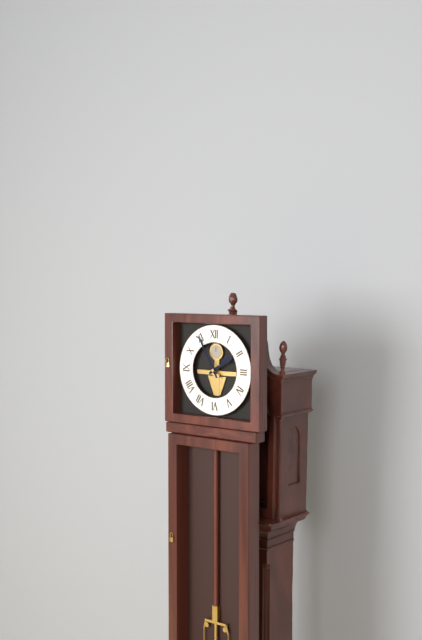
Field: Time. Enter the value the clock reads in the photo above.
1:55
